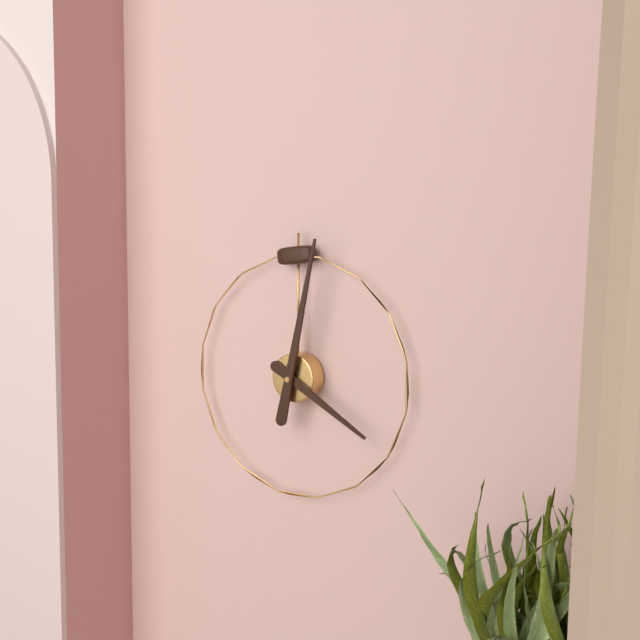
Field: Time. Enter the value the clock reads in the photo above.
4:02
